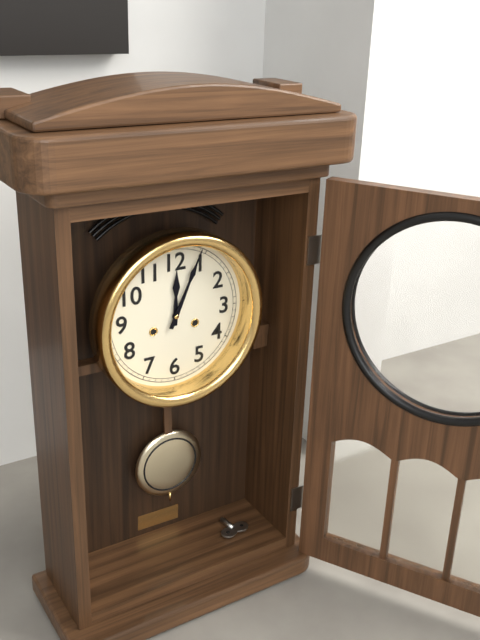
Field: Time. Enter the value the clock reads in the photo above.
12:04
